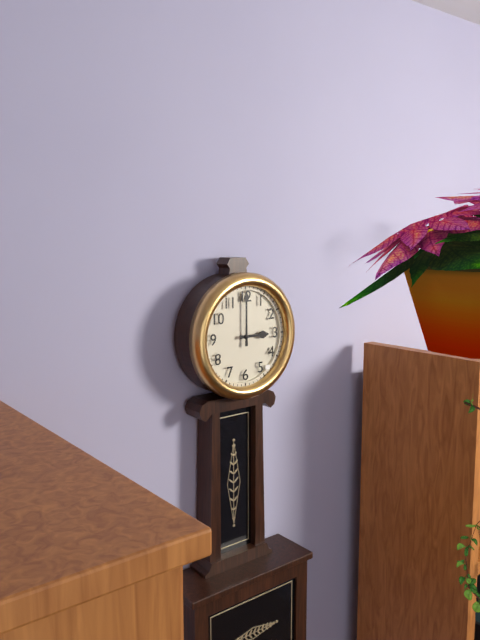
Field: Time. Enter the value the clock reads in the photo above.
3:00
